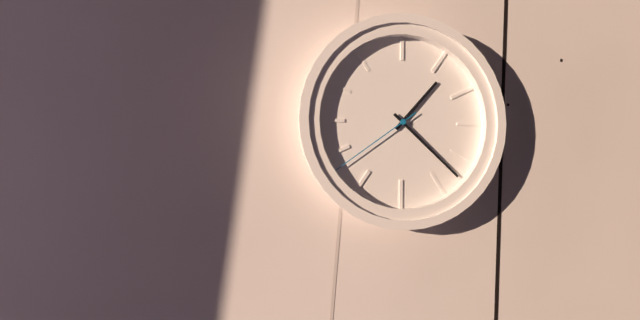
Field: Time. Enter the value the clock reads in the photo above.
1:22:39
